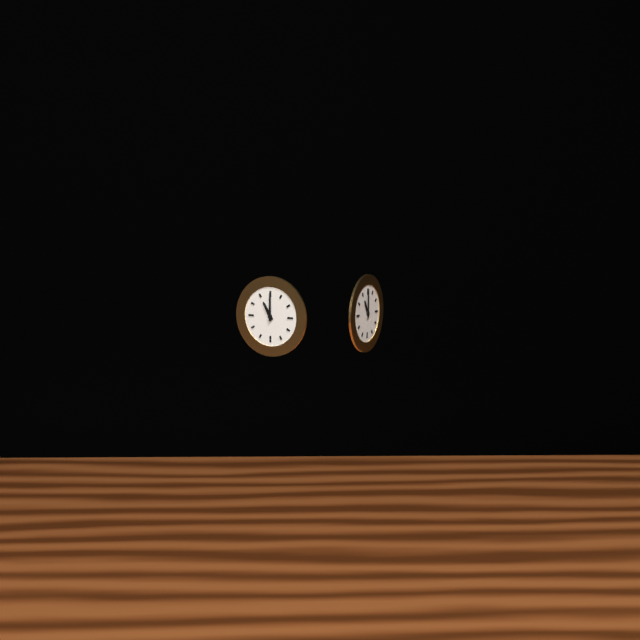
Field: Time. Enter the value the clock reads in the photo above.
11:00
